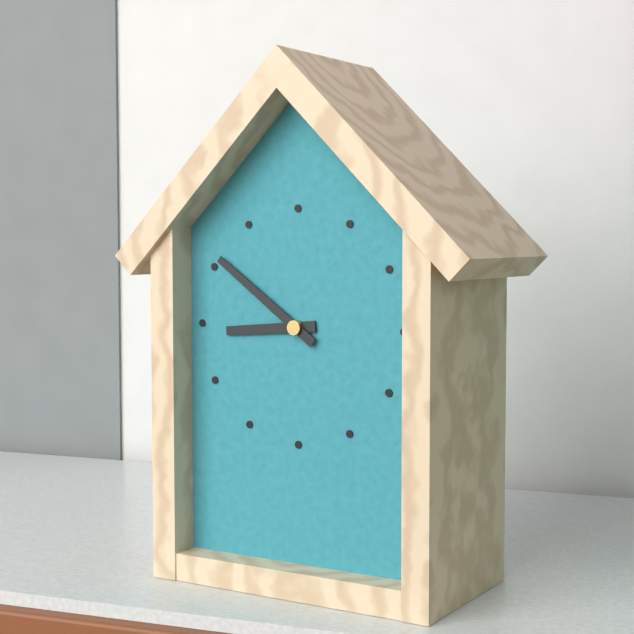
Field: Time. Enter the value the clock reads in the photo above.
8:51
